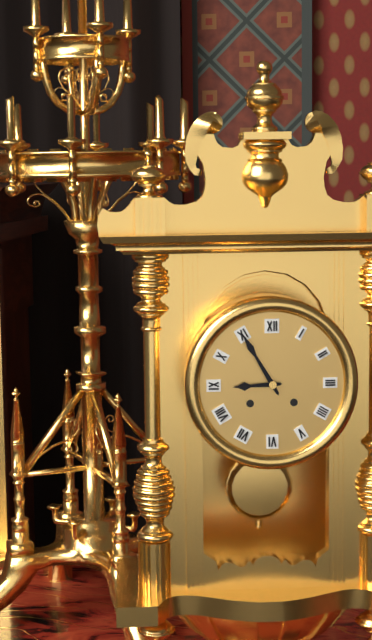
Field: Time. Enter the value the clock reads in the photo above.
8:55
